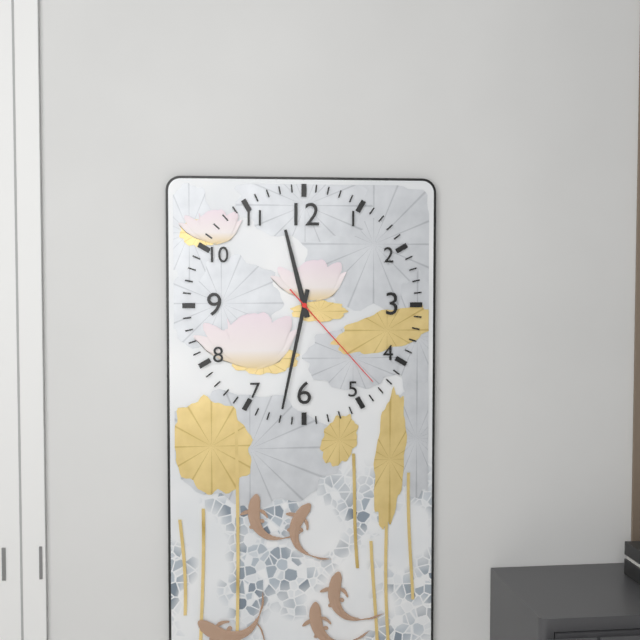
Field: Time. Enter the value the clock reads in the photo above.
11:32:23
